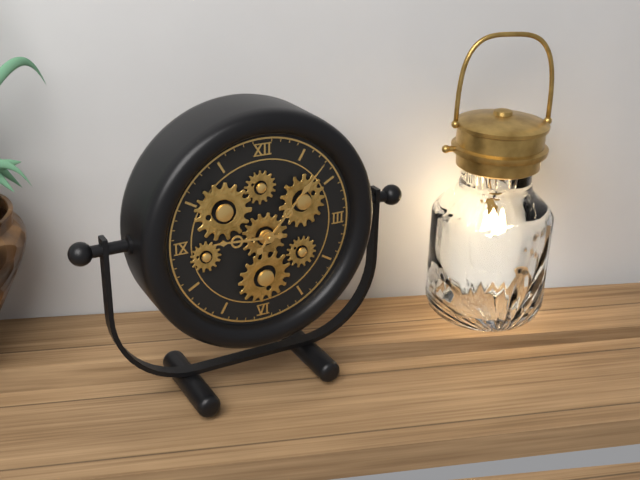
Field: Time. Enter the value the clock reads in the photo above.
9:07
